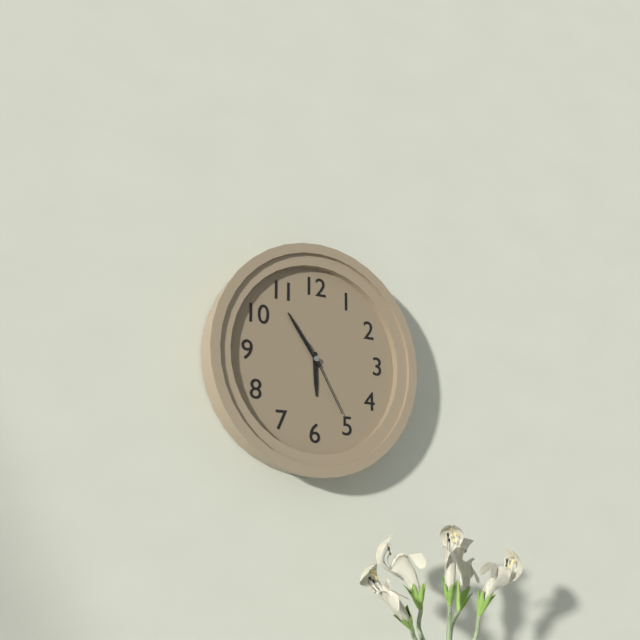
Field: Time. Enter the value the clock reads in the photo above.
5:54:25
